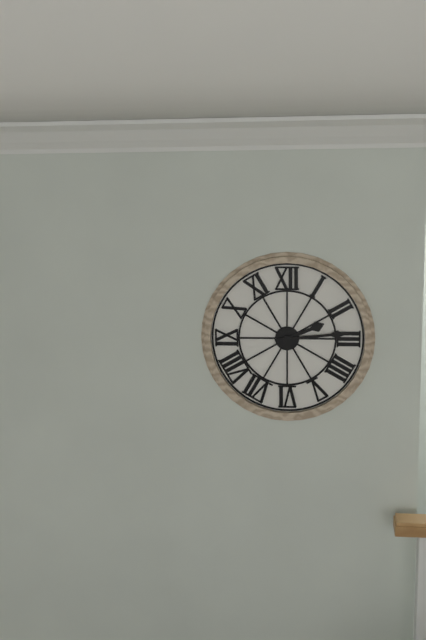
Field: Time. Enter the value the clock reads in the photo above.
2:14
